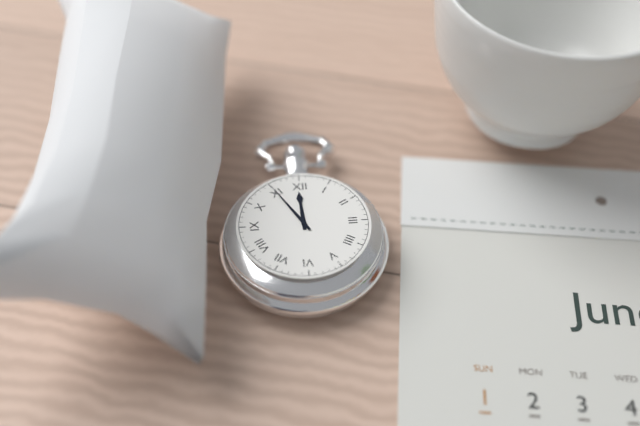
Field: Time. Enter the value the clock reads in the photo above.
11:55
